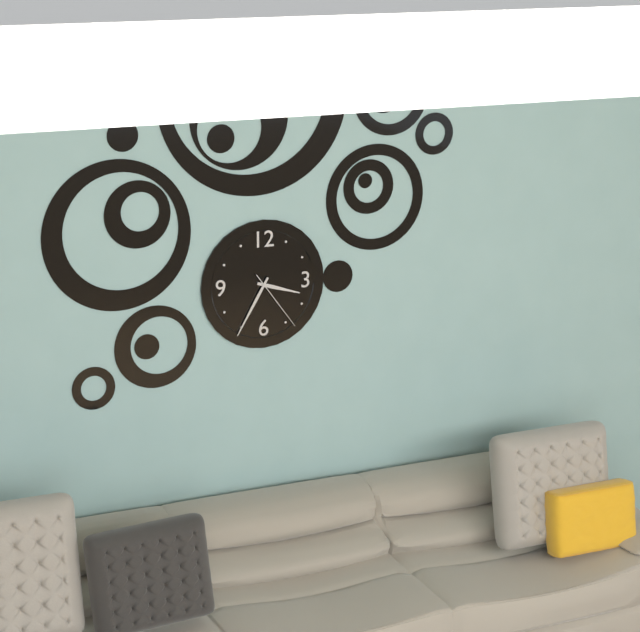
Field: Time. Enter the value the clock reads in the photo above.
3:35:24
